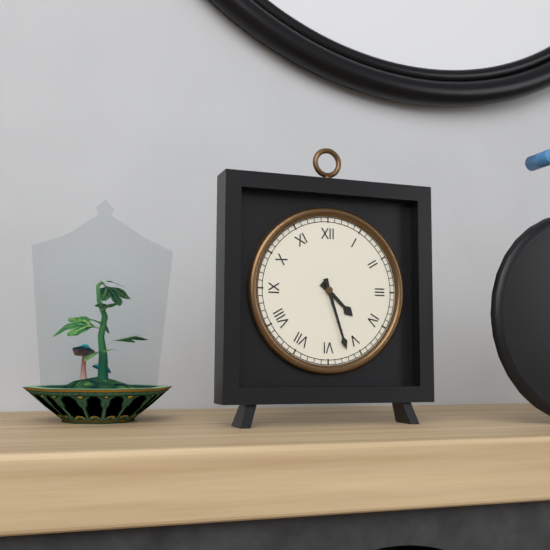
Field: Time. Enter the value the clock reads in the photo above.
4:27
